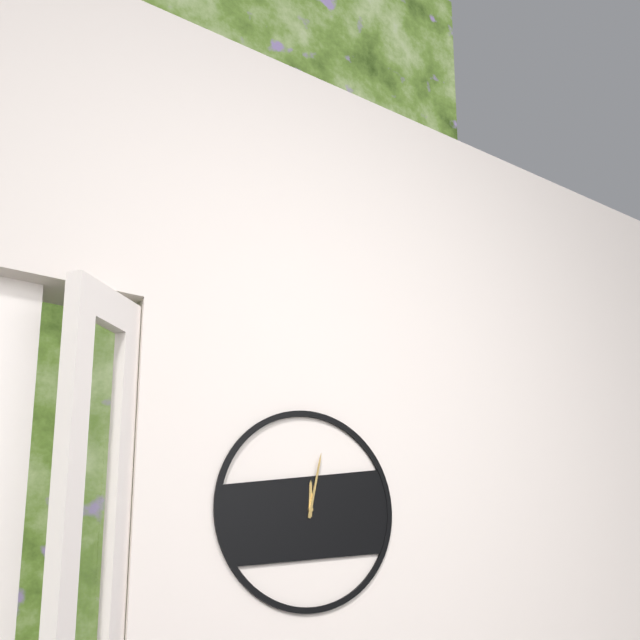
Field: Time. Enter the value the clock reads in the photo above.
12:02
